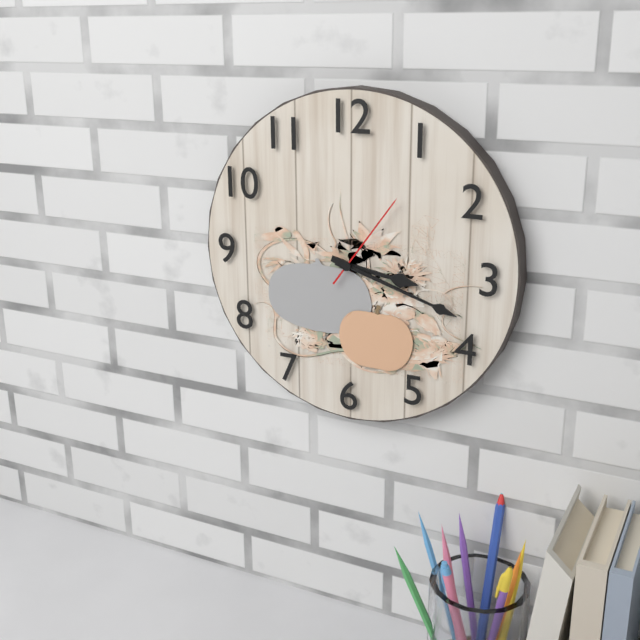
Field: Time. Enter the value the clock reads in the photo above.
3:18:06
